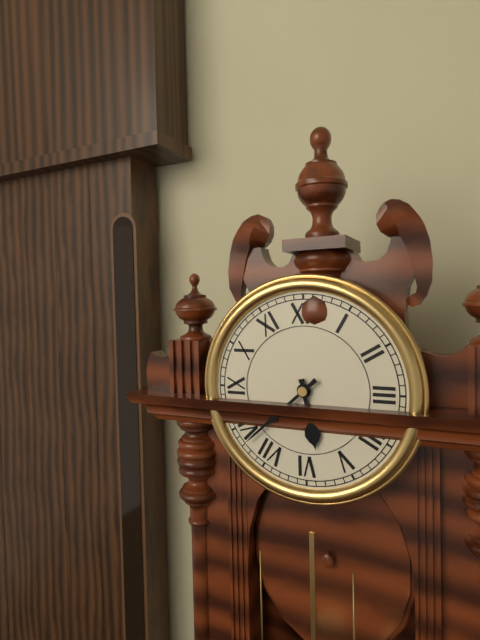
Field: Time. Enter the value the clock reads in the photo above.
5:38
